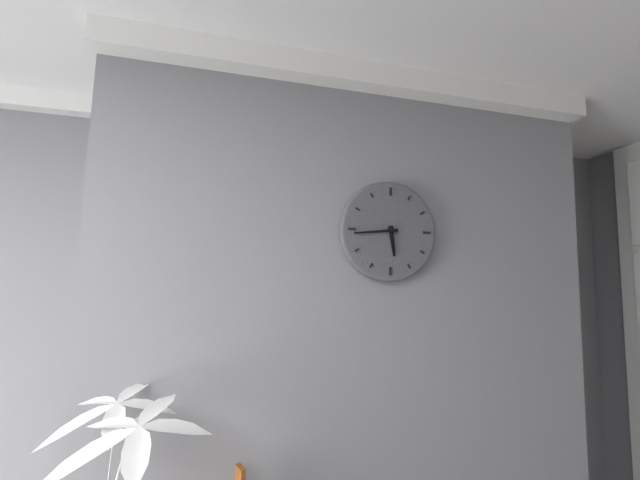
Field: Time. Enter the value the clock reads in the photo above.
5:44
